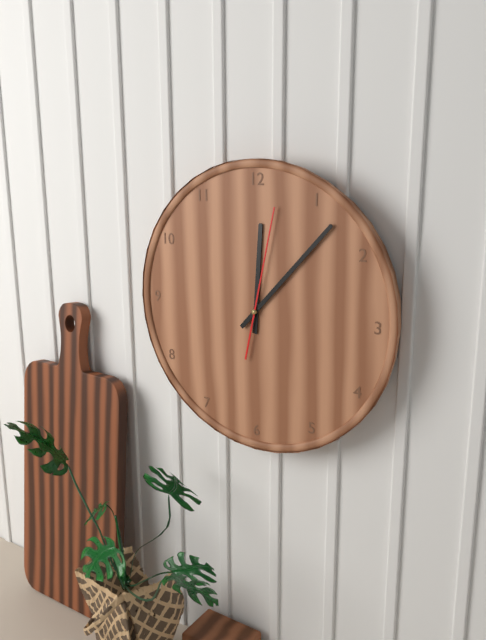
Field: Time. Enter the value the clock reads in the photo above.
12:07:02
